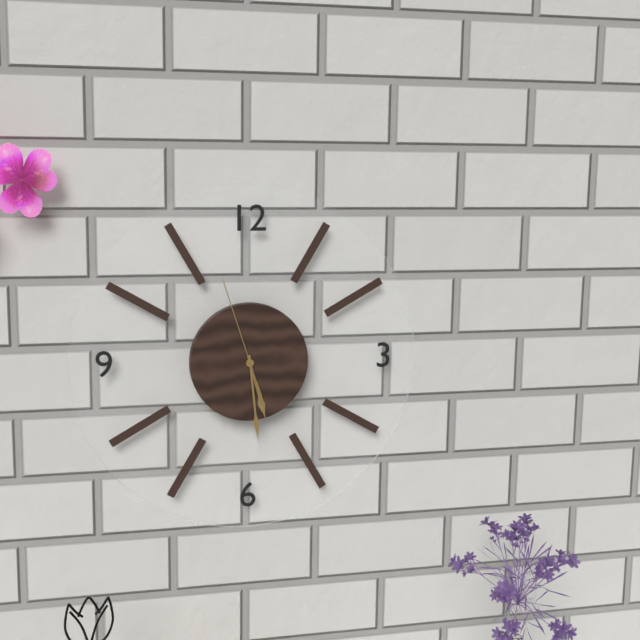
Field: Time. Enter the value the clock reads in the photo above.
5:29:57
